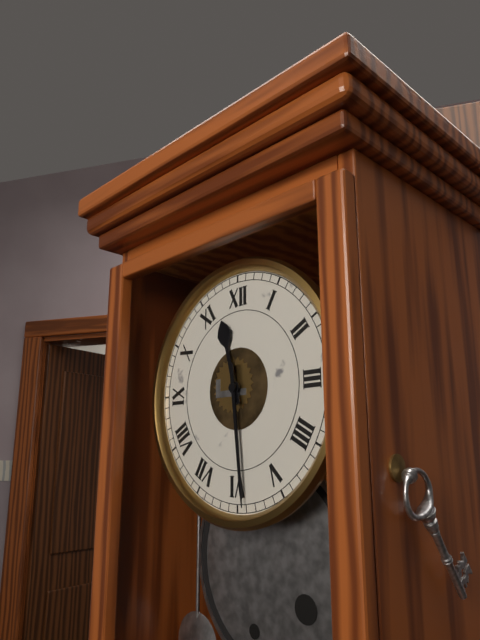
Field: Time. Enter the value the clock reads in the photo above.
11:29
